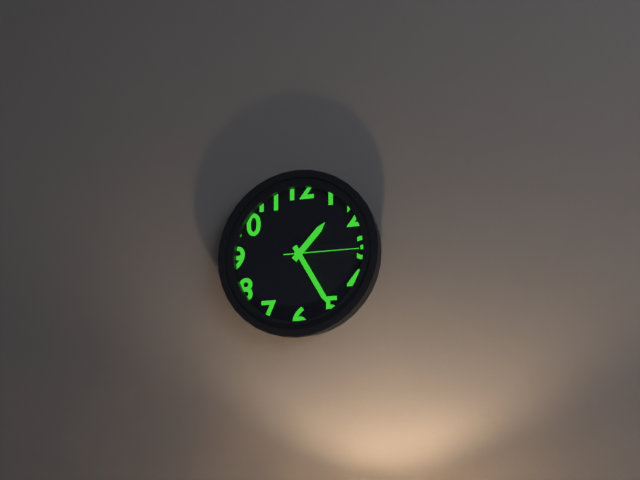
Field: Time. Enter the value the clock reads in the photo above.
1:25:15
